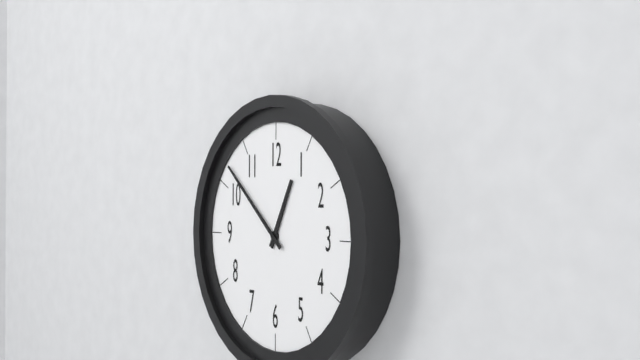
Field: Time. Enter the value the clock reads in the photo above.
12:52
